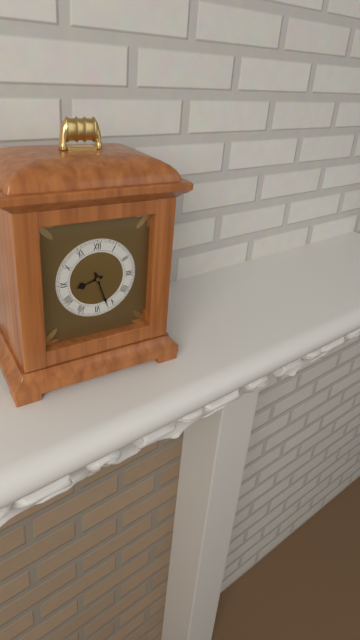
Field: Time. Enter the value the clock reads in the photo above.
8:27
